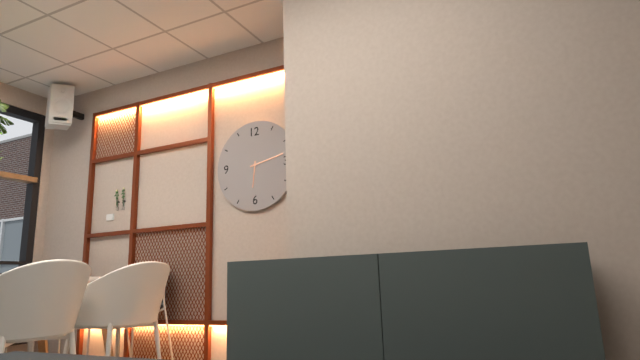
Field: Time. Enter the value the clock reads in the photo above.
6:13
